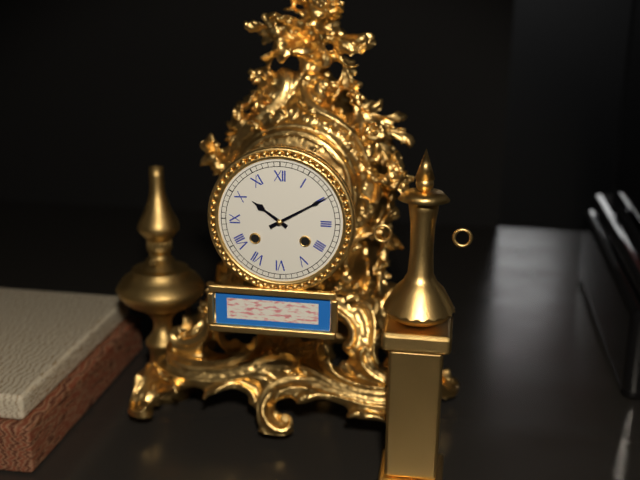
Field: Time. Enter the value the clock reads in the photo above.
10:10
